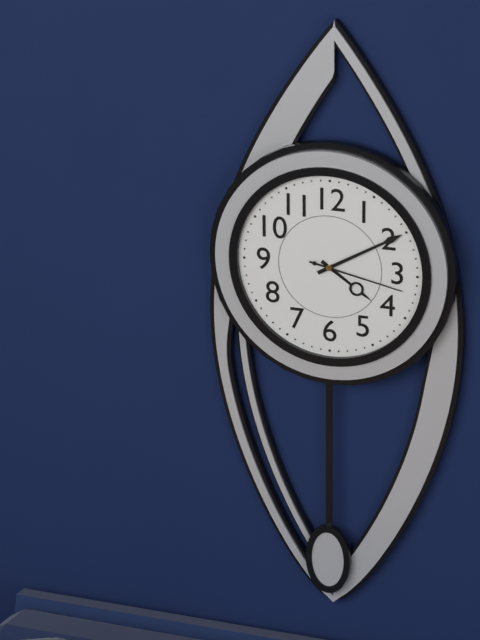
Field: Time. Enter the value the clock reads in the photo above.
4:10:17
